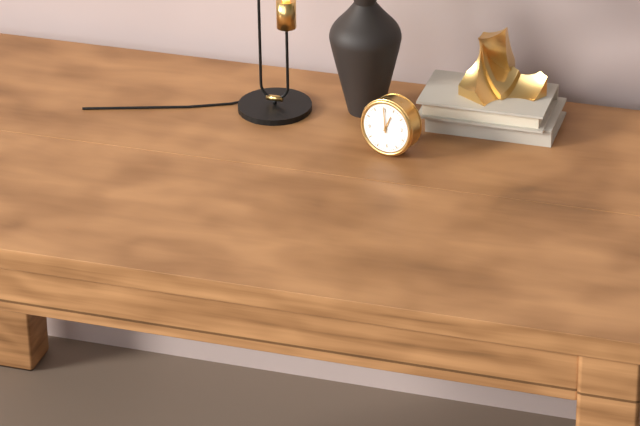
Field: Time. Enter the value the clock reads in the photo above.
1:00
